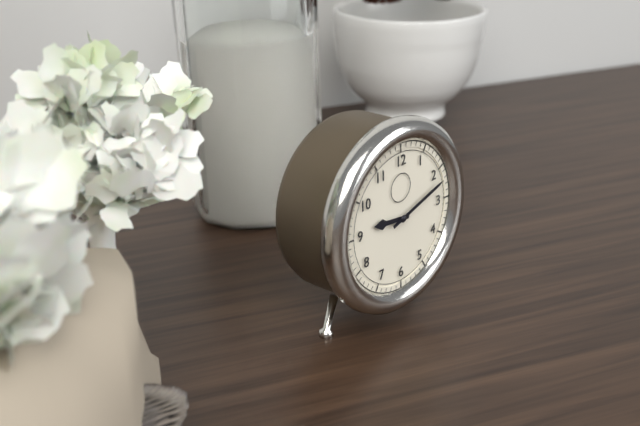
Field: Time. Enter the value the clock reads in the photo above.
9:12
